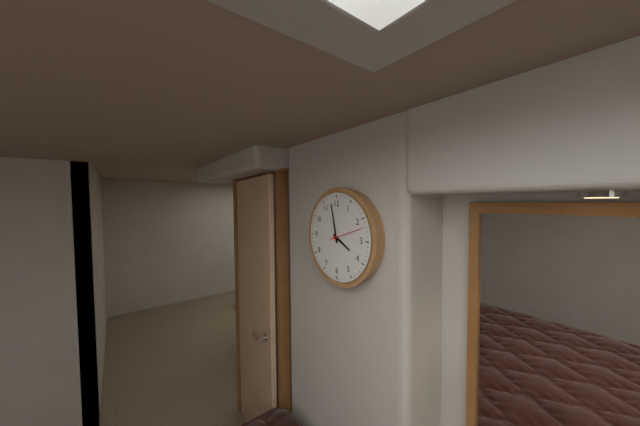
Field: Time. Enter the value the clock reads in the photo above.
3:58
